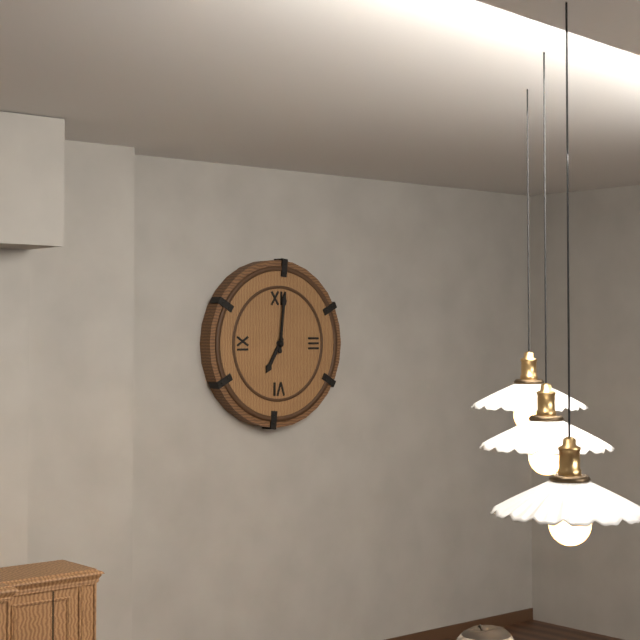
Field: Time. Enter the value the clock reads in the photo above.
7:01
